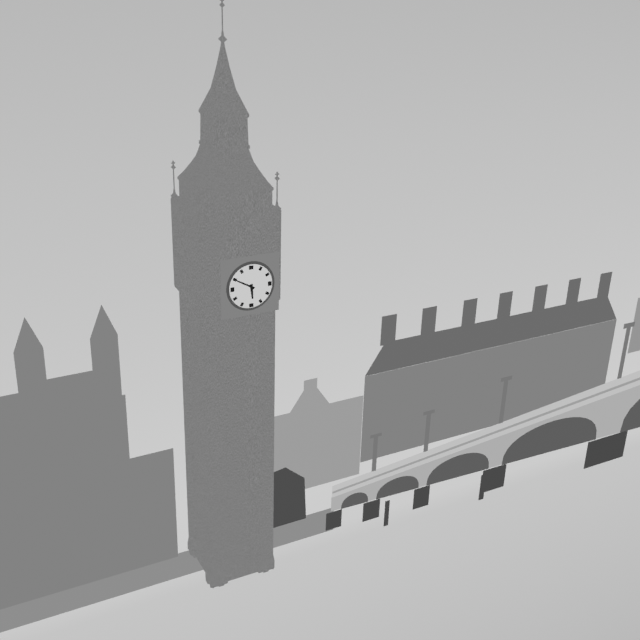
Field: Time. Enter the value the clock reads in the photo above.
5:50
